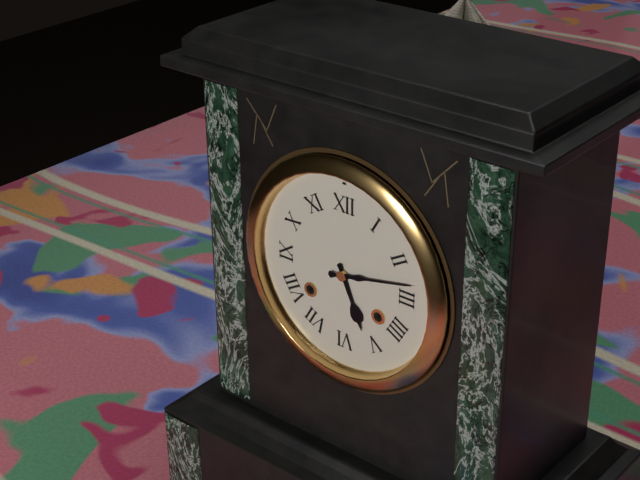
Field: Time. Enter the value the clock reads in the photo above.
5:13
